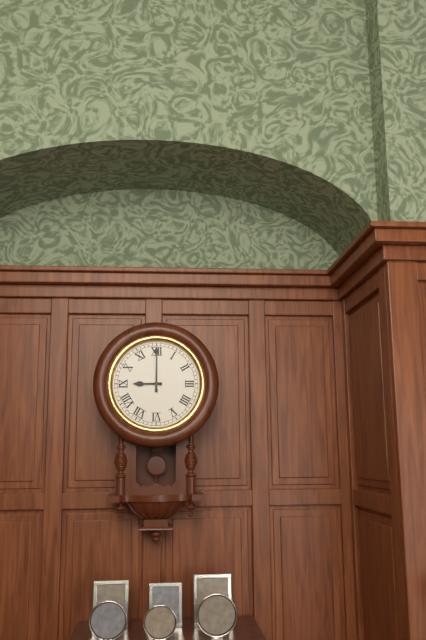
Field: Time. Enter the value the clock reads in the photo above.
9:00
